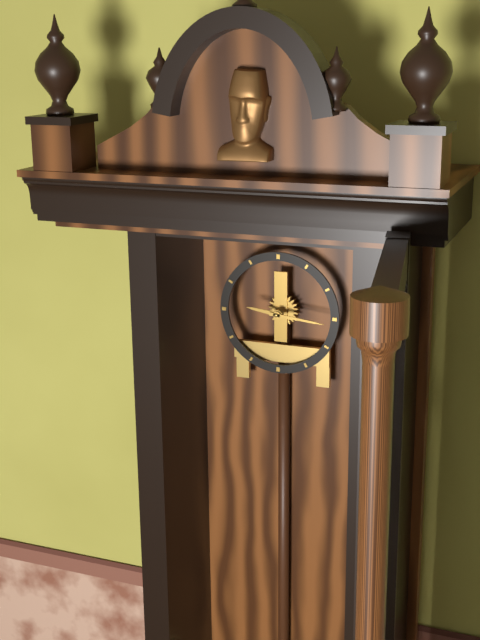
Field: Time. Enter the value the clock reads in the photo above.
9:16
